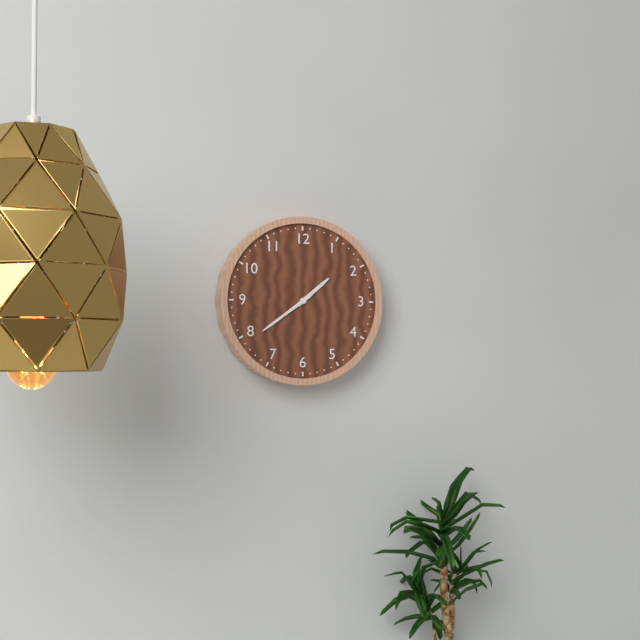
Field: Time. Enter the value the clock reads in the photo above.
1:39
